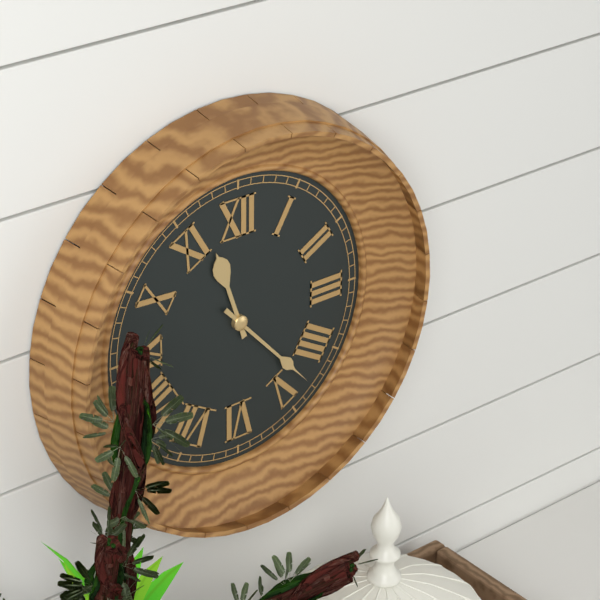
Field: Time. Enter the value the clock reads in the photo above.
11:23
